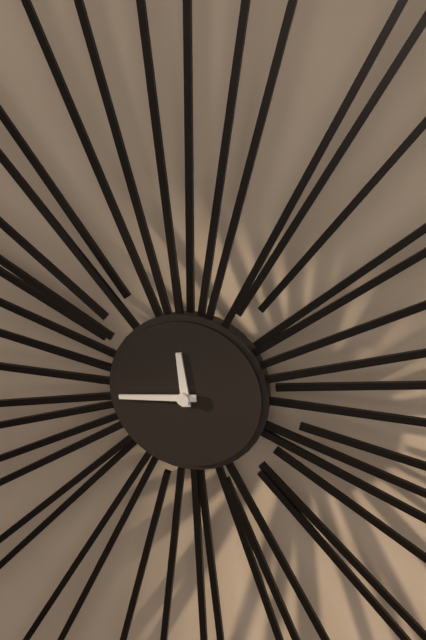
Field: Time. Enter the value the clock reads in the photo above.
11:44
